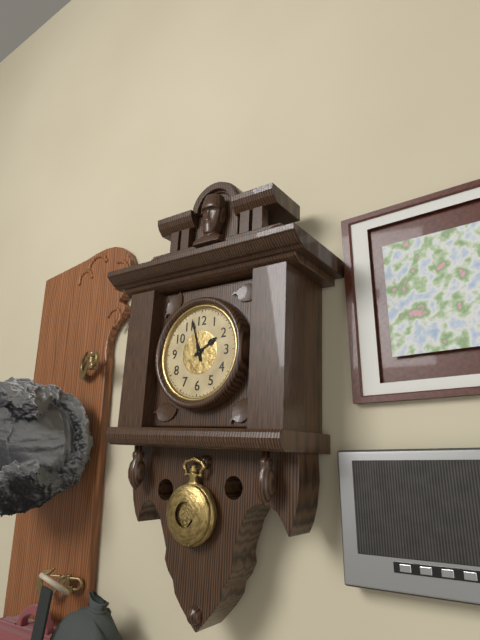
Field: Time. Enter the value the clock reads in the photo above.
1:57
